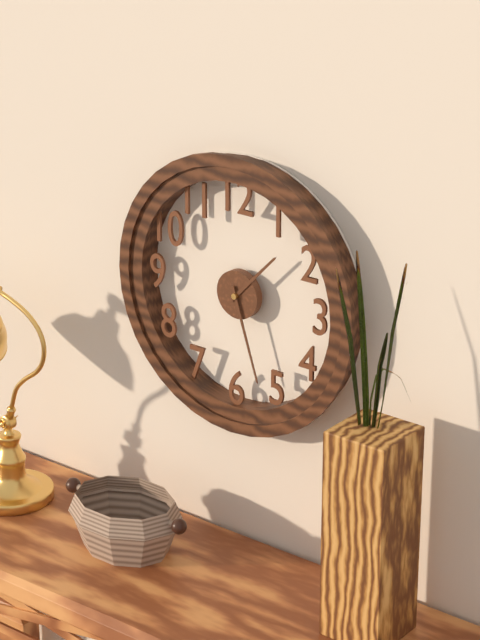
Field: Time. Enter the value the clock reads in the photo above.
1:27
